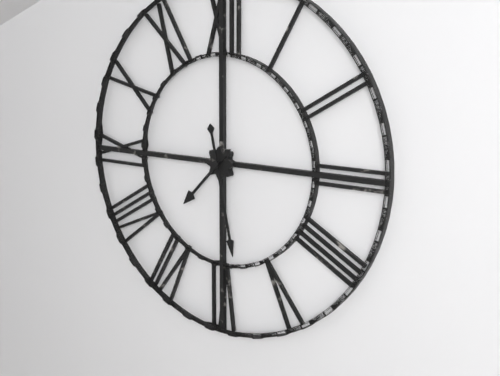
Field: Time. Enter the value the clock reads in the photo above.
7:28
